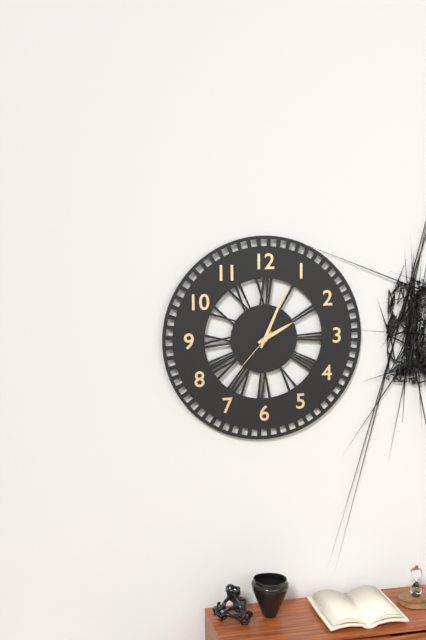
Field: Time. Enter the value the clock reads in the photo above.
2:04:37
